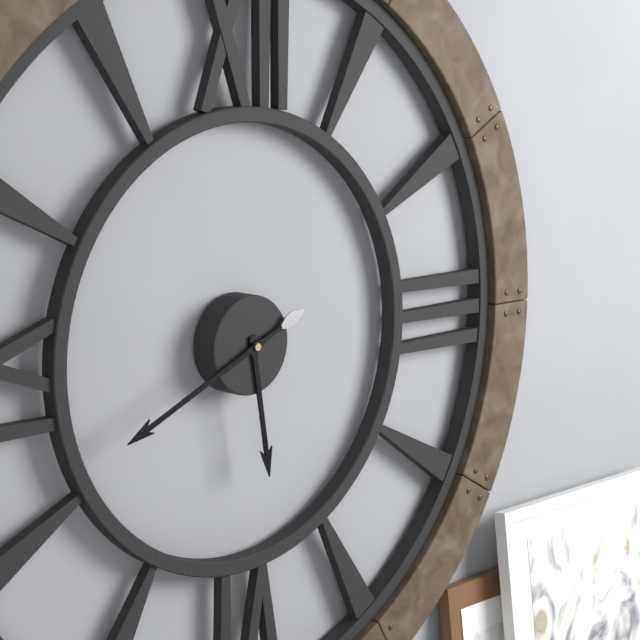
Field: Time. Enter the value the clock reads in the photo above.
5:41
